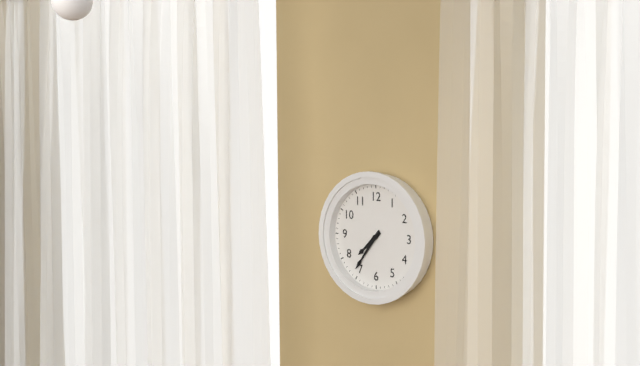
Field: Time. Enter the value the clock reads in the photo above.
7:36
